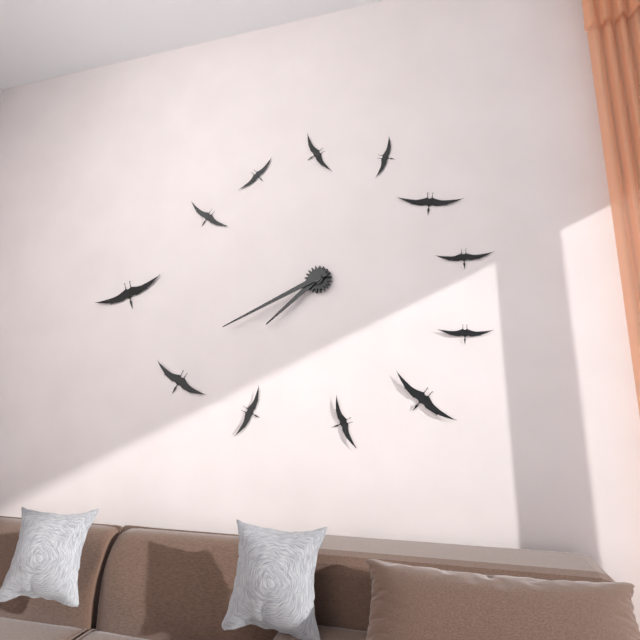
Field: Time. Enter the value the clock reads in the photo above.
7:41
